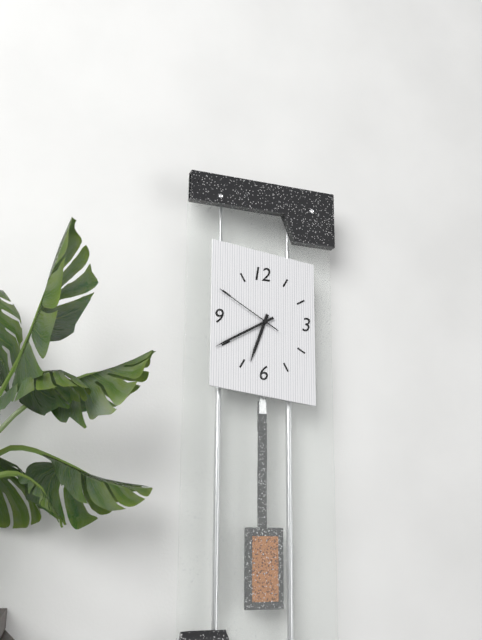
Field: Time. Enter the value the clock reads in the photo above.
6:40:50
